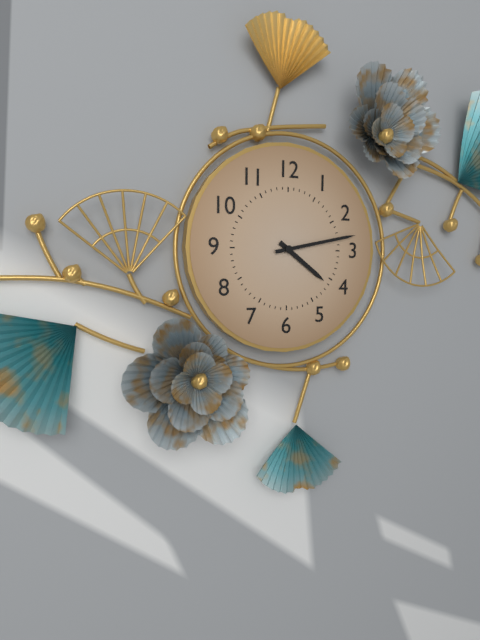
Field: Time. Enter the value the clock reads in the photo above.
4:13
